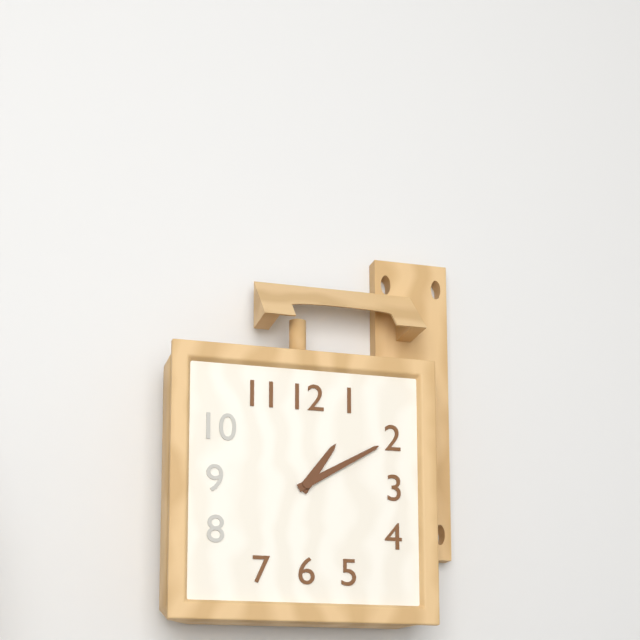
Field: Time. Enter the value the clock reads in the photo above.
1:10
